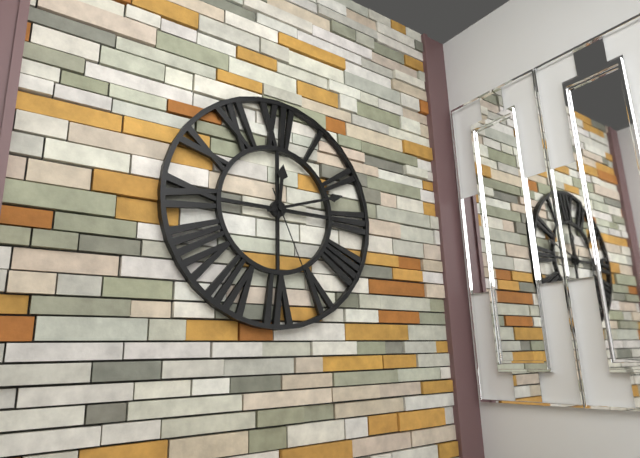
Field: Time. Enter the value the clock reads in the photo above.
12:12:26
